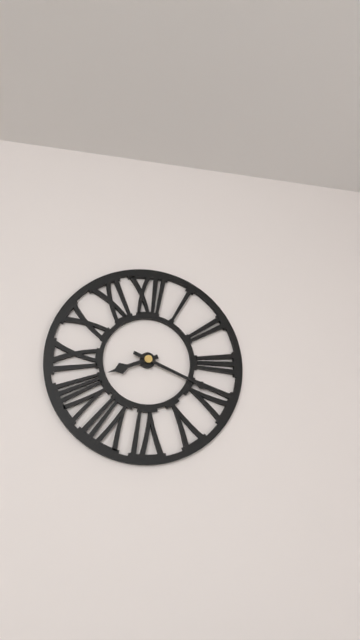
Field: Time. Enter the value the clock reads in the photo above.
8:19
